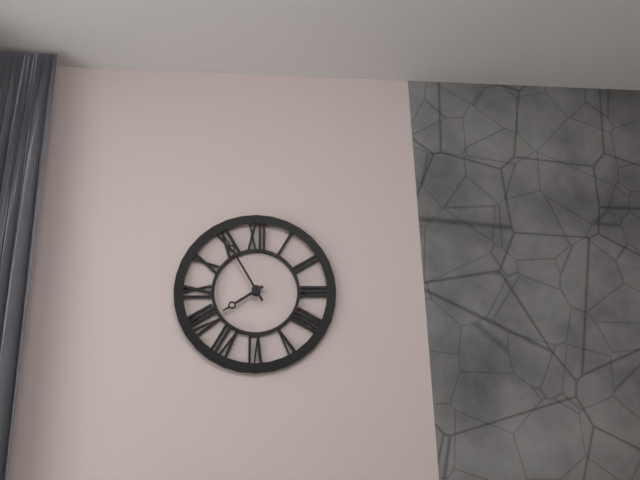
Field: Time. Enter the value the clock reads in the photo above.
7:55
